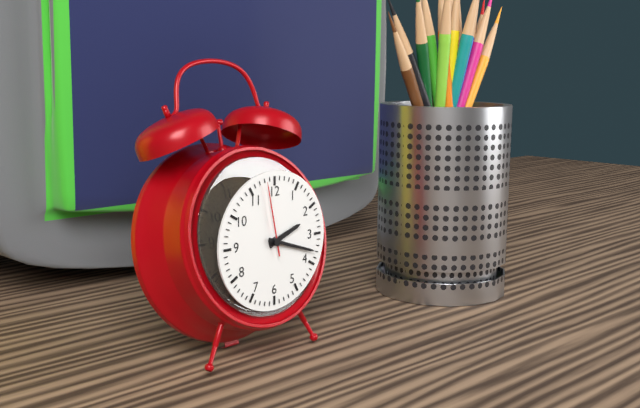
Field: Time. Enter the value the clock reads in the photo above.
2:18:58
